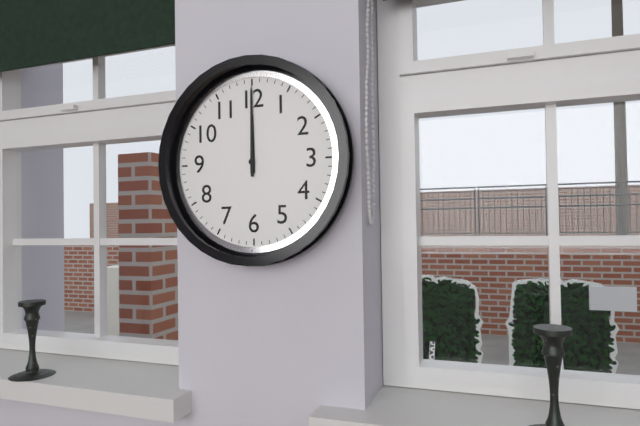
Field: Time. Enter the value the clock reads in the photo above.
12:00
